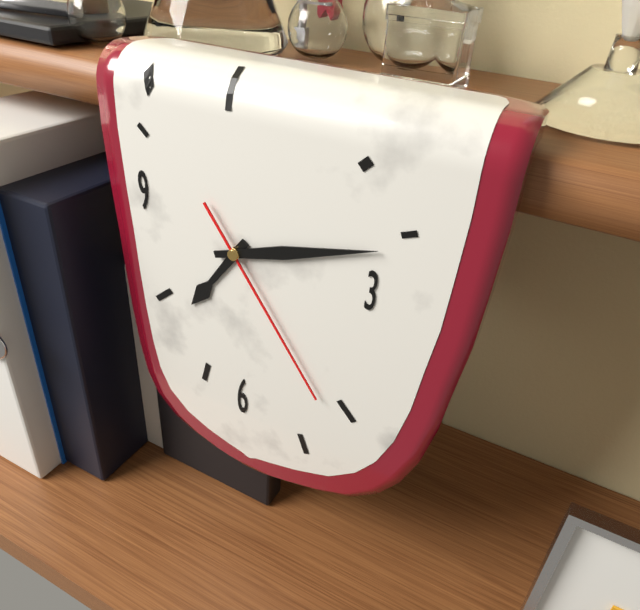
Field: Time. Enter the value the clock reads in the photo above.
7:12:24
